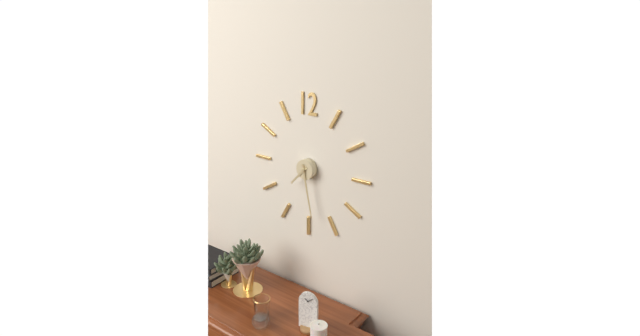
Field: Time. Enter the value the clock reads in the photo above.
7:28
